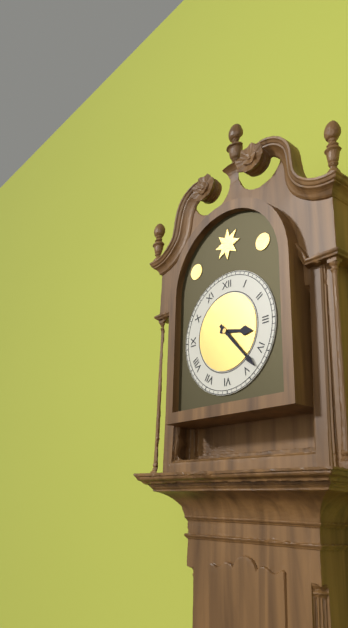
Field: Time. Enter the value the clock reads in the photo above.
3:23
